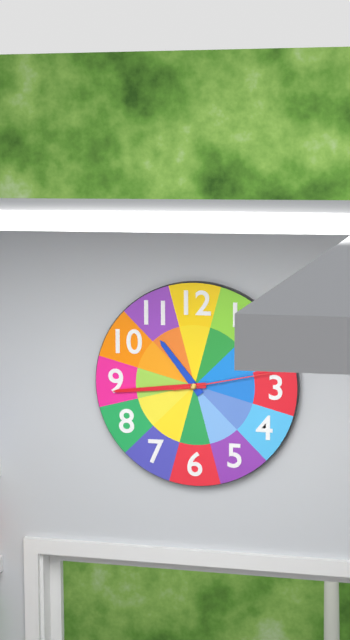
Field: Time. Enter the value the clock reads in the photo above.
10:44:13
